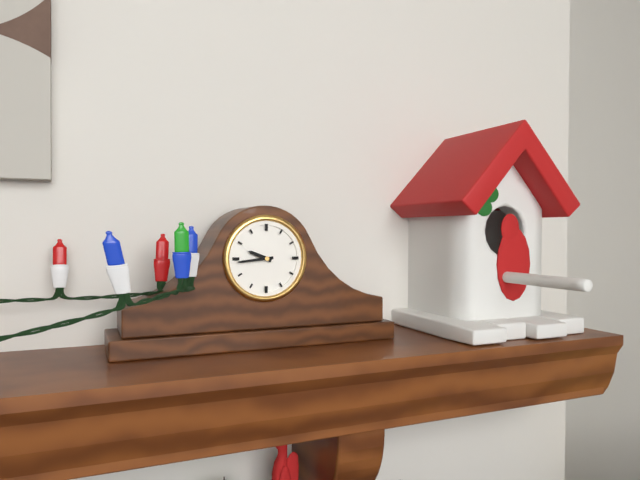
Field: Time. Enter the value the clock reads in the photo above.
9:44
